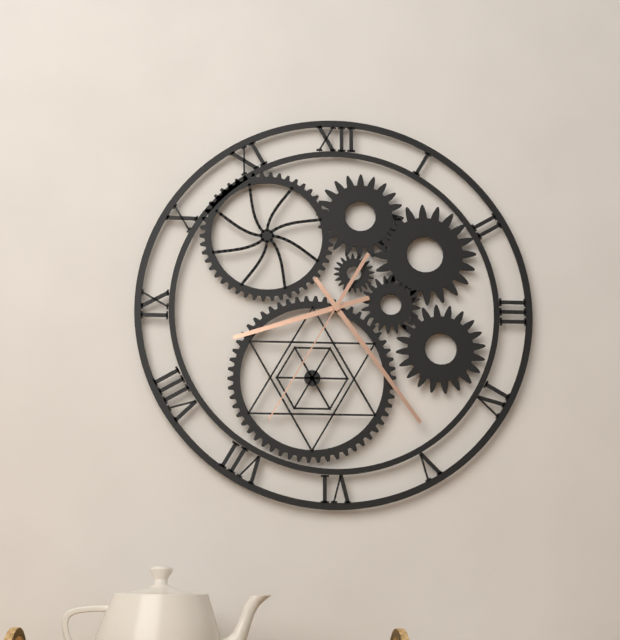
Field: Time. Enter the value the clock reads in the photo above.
8:24:35
